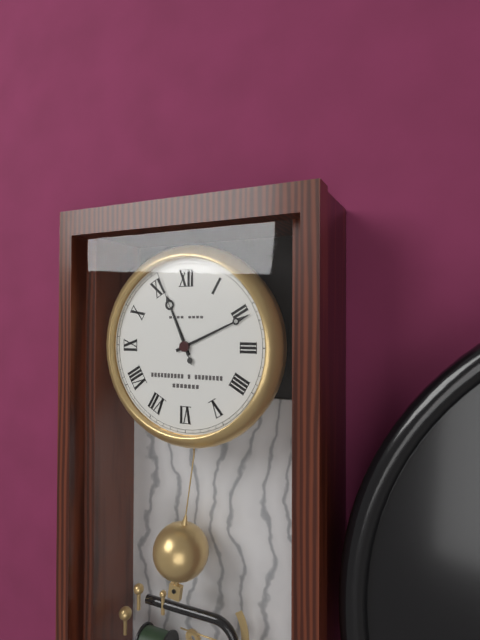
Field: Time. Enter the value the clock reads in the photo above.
11:11:56
